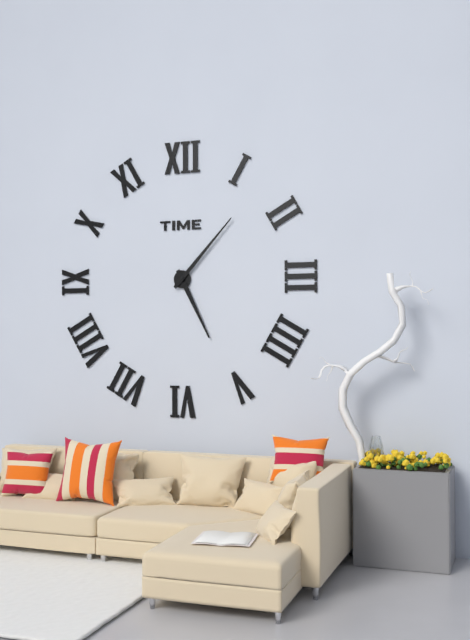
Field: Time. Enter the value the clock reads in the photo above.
5:07
